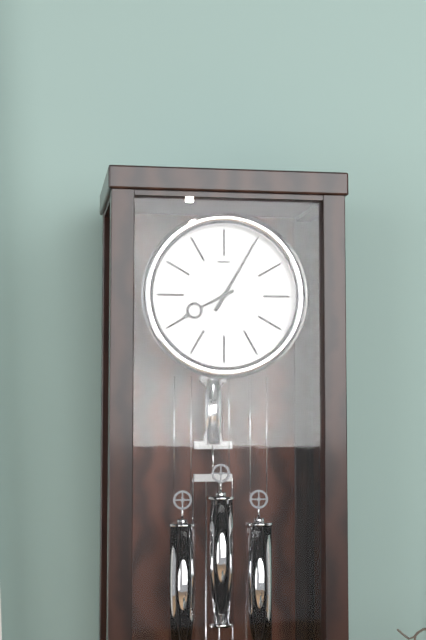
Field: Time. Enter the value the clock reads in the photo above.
8:05
